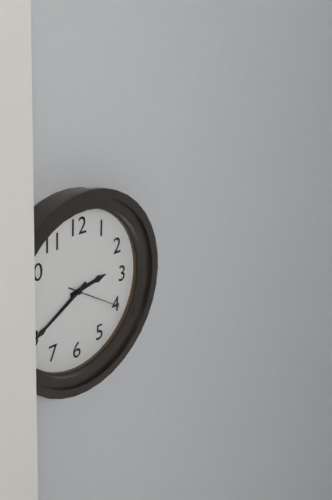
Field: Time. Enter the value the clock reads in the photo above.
2:40:20
